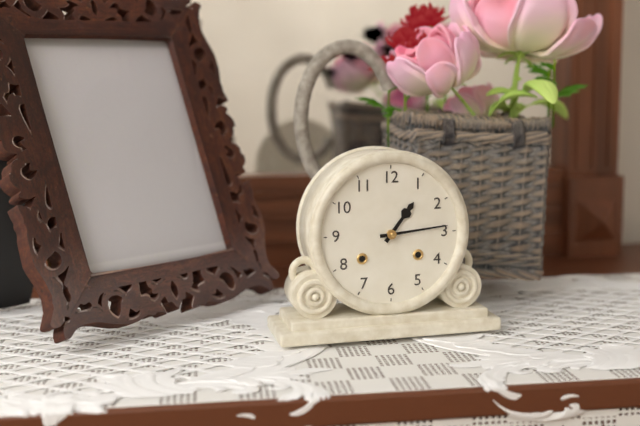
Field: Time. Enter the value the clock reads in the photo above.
1:14
